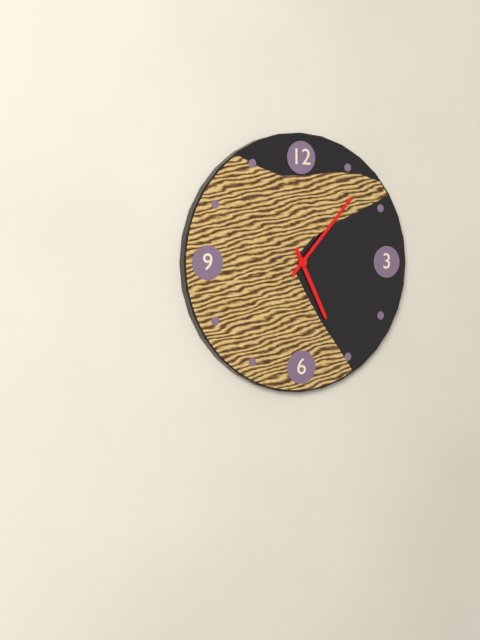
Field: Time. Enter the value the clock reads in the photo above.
5:07
